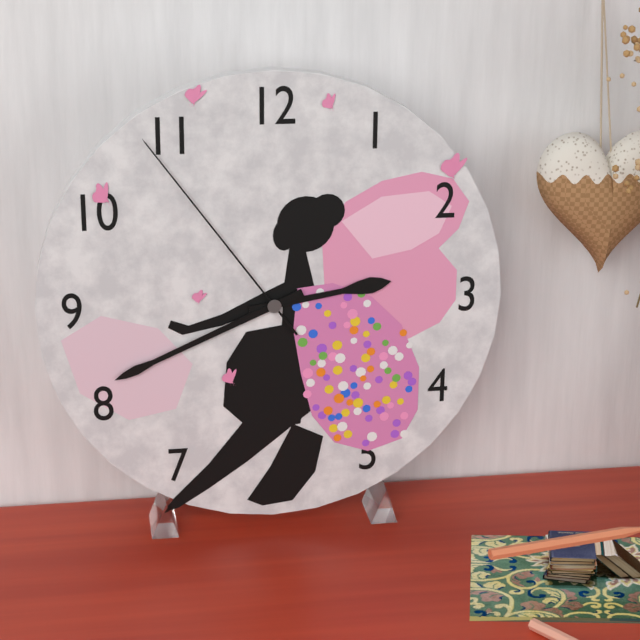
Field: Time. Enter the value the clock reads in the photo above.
2:41:54
